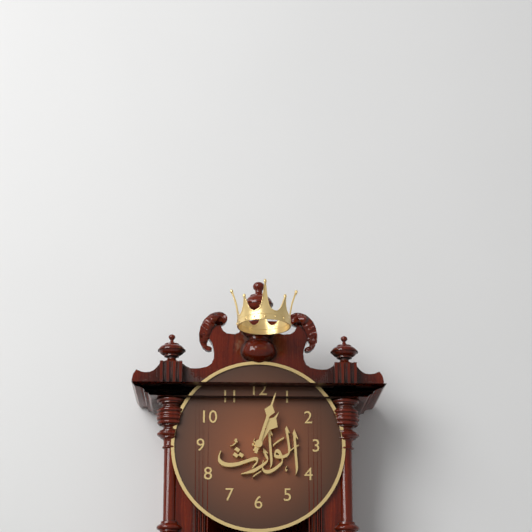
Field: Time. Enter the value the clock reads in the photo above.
1:03
